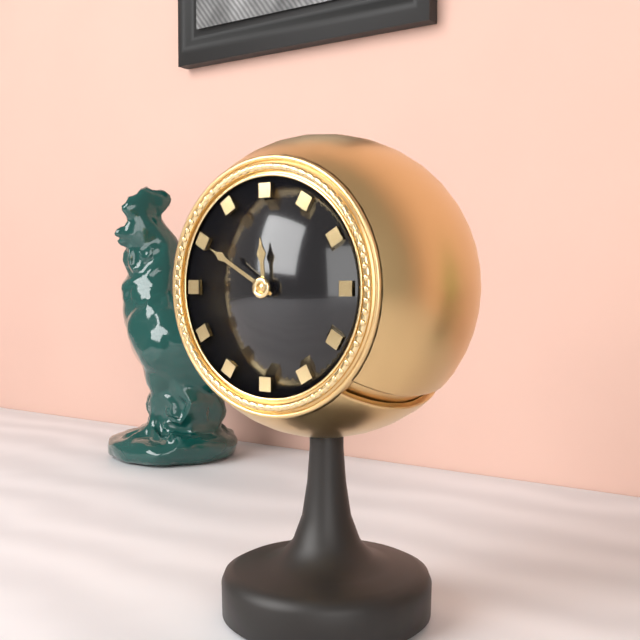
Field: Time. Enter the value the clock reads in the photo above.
11:50
